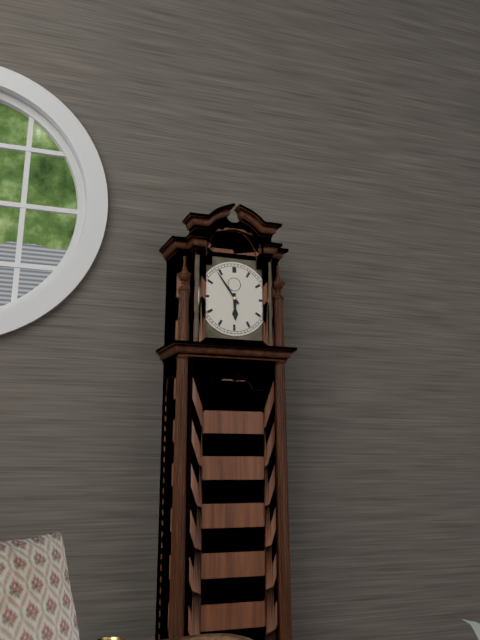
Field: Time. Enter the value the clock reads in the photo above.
5:54
